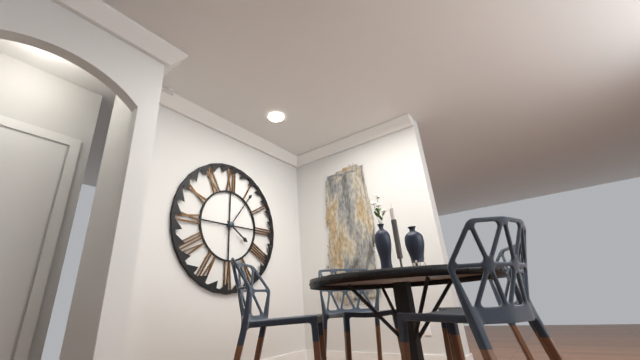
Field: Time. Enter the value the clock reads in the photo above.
4:06
